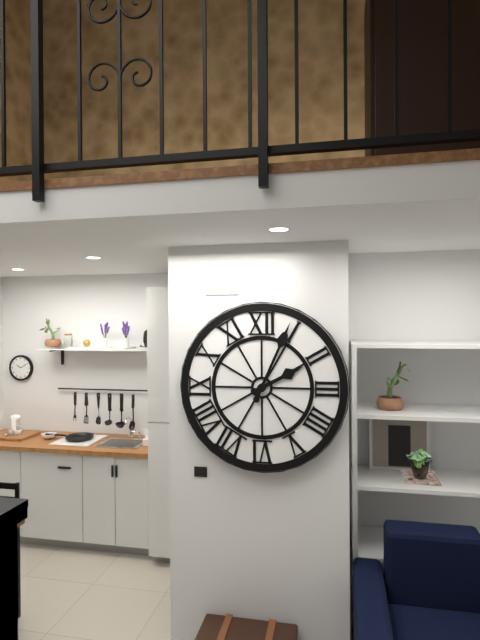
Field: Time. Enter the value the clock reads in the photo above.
2:04
